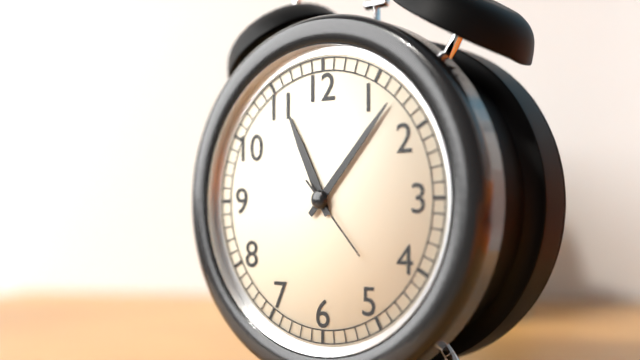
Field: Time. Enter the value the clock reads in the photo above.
11:07:23
